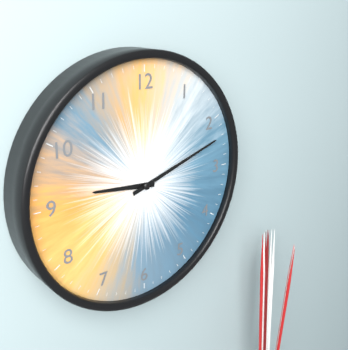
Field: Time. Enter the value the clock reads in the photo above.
9:12
